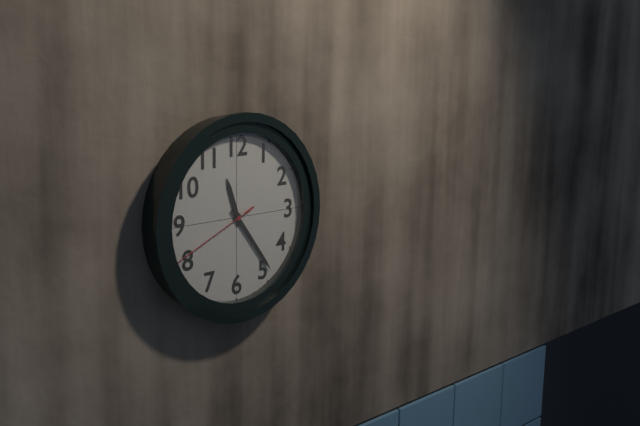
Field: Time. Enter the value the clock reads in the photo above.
11:24:41
